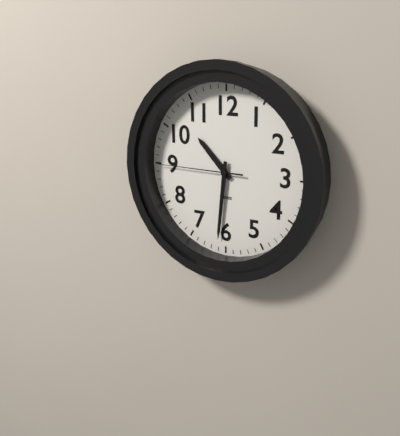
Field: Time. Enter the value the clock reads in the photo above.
10:31:45
